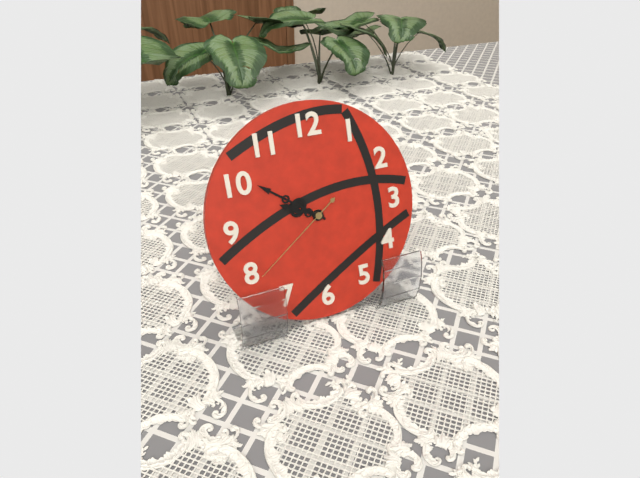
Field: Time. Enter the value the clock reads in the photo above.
9:51:39
